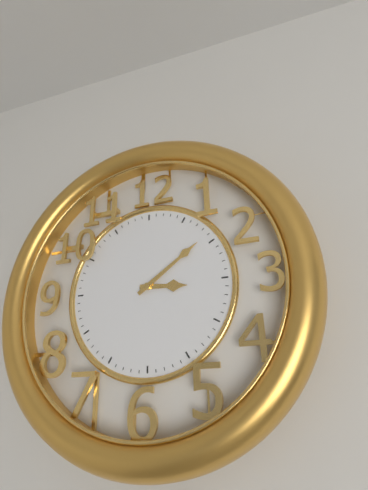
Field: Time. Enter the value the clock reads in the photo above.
3:09
